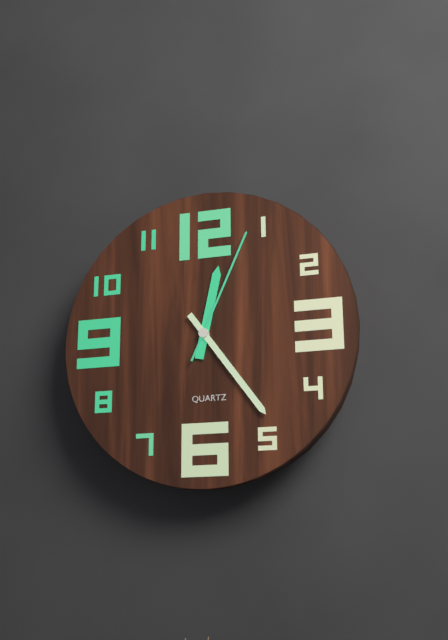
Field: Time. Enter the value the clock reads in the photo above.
12:24:04
